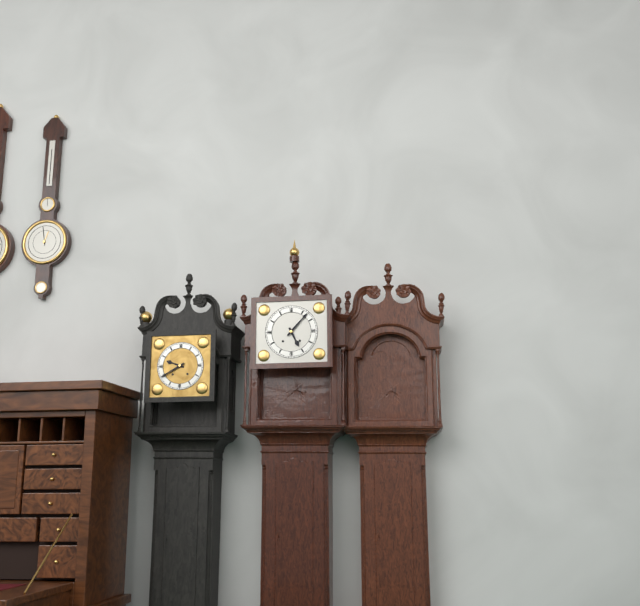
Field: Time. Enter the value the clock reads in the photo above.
5:07
